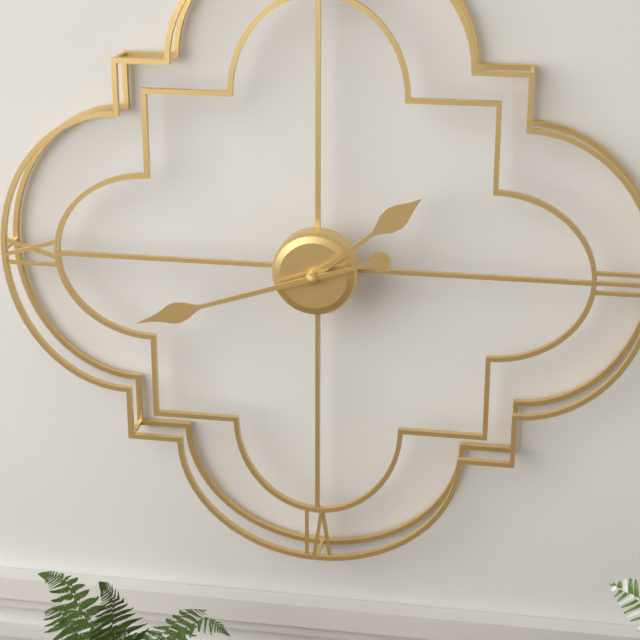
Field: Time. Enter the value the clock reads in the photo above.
1:42
